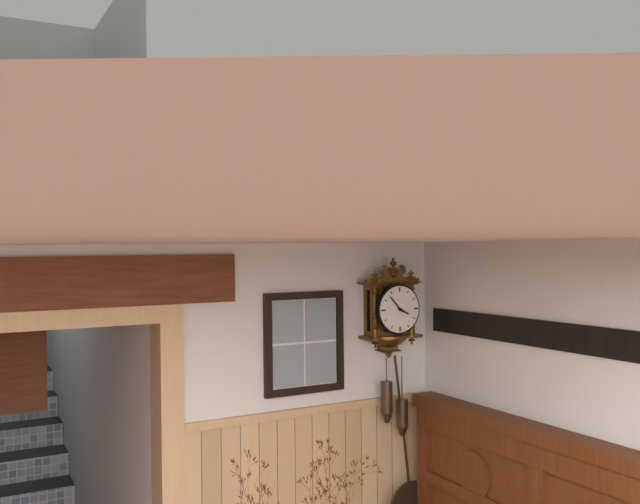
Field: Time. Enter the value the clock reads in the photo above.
3:53
